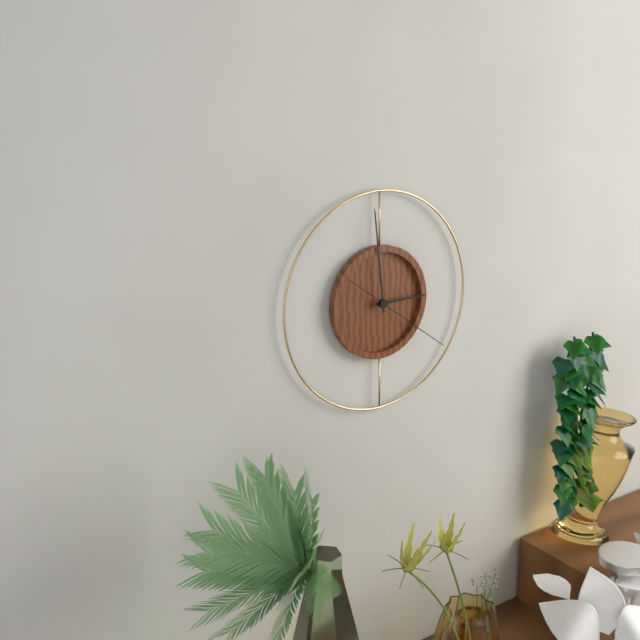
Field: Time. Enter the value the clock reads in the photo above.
2:59:21
